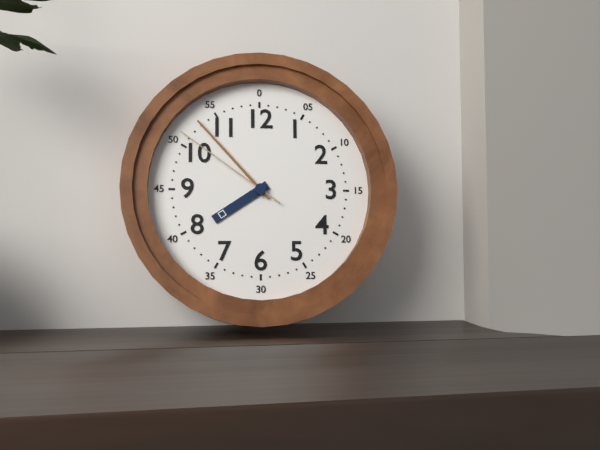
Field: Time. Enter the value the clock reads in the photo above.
7:53:51
